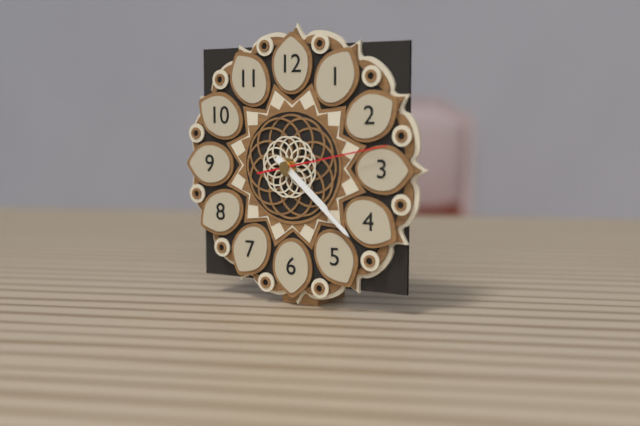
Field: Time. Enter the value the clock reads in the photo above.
4:22:13
